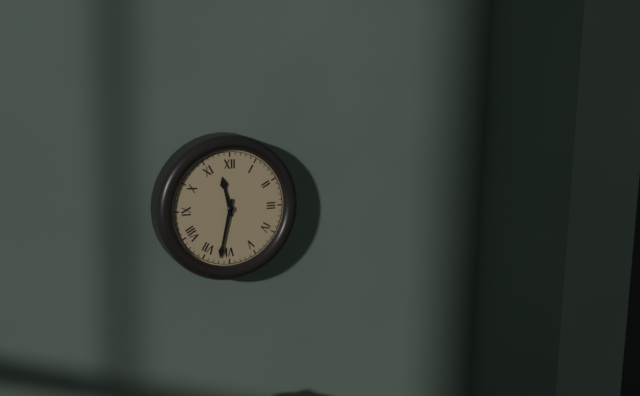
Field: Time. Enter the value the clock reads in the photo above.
11:32
